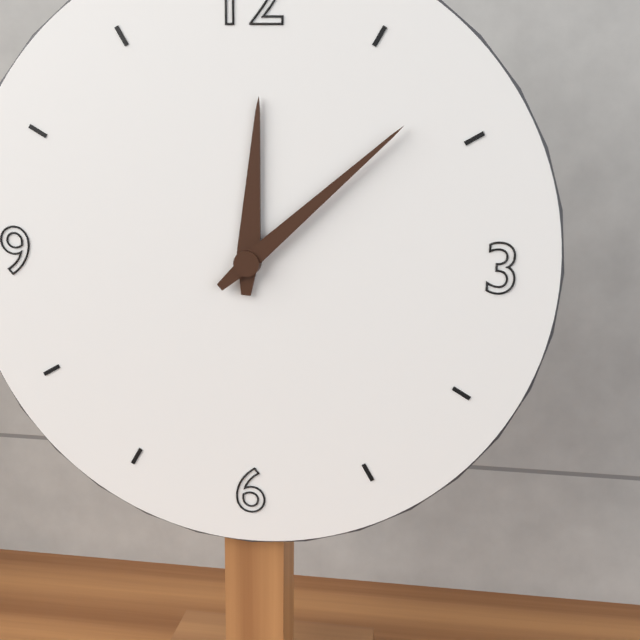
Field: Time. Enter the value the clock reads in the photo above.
12:08
